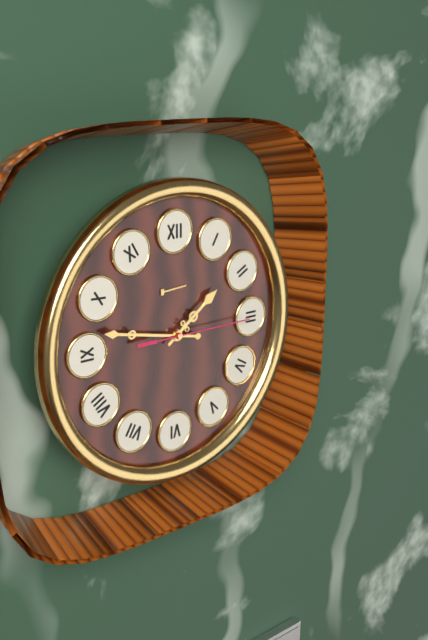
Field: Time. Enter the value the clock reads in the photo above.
1:47:15
